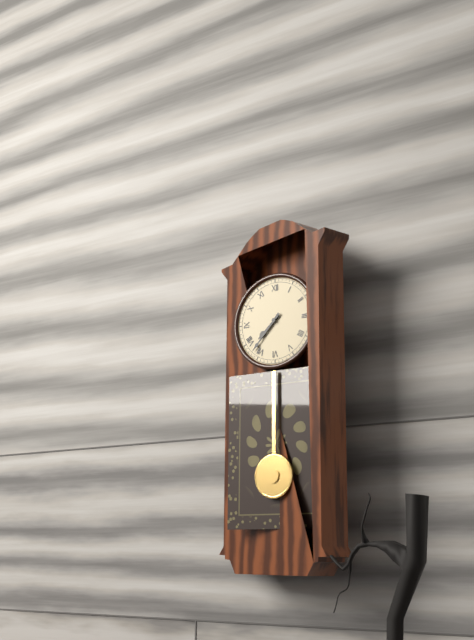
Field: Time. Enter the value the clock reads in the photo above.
7:37
